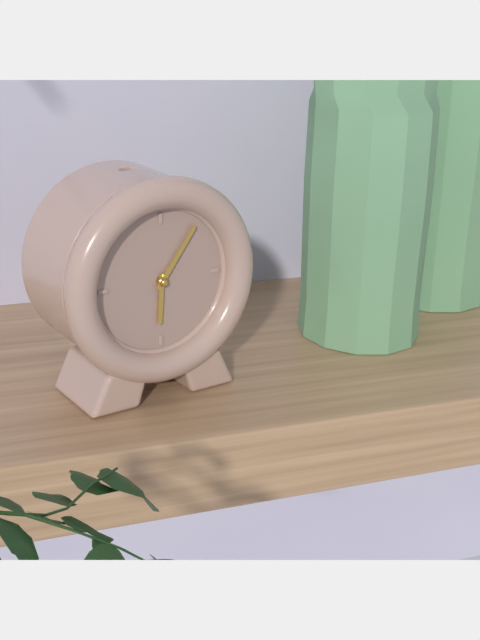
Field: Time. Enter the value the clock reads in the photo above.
6:06
